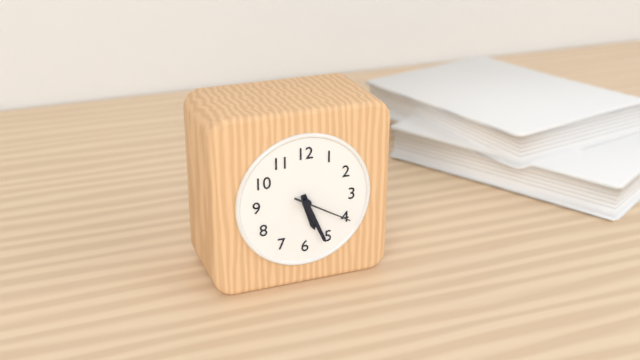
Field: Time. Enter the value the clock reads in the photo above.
5:26:20
